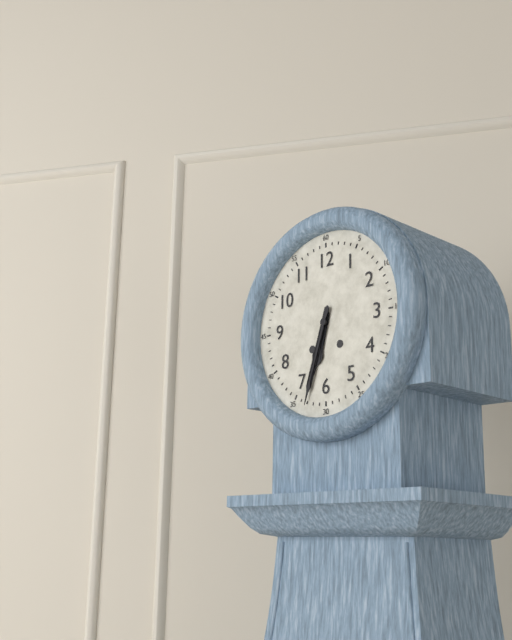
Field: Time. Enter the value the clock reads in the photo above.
6:33
